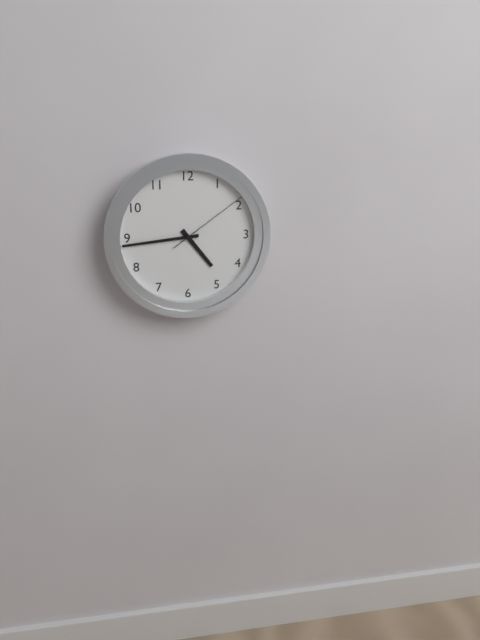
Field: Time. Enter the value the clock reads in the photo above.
4:44:09
